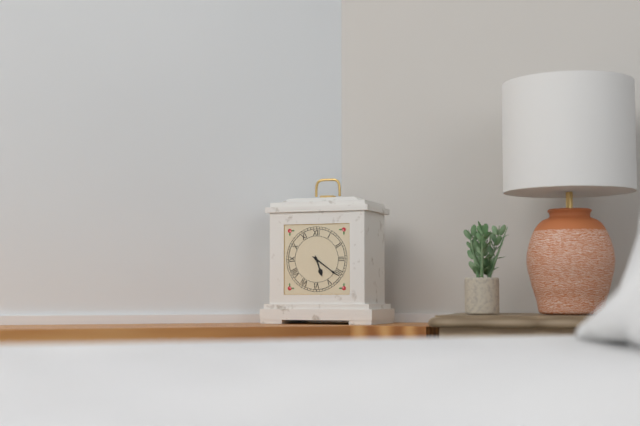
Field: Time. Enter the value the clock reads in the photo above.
5:21
